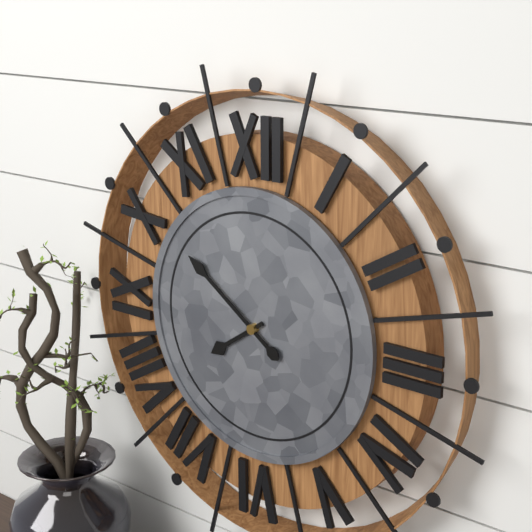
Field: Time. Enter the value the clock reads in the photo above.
7:51
